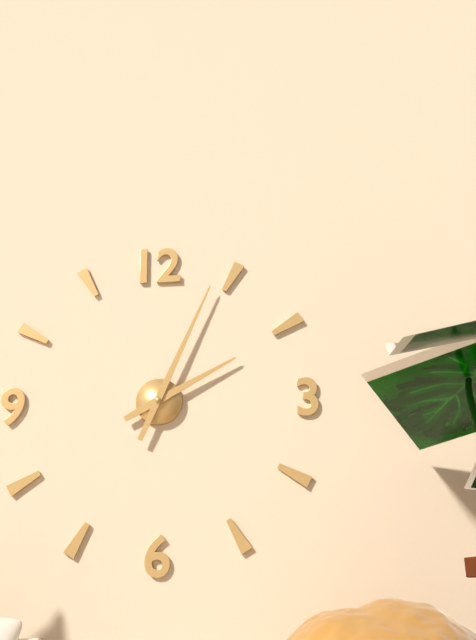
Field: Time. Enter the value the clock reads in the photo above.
2:04
